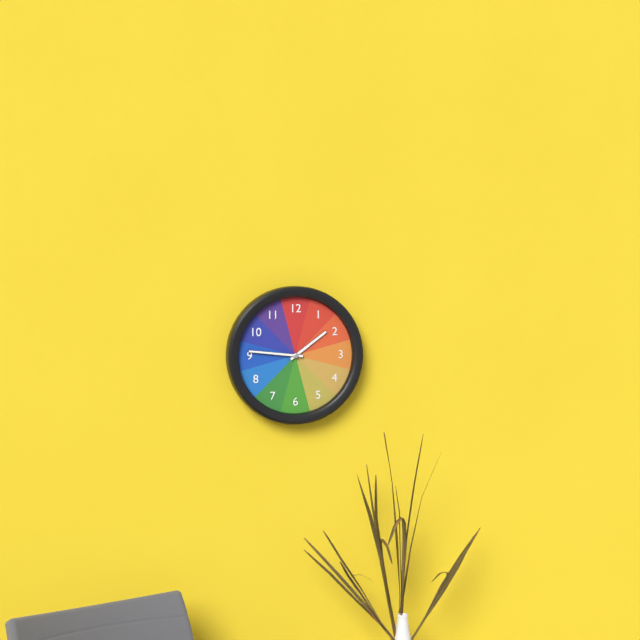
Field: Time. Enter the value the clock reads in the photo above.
1:46
